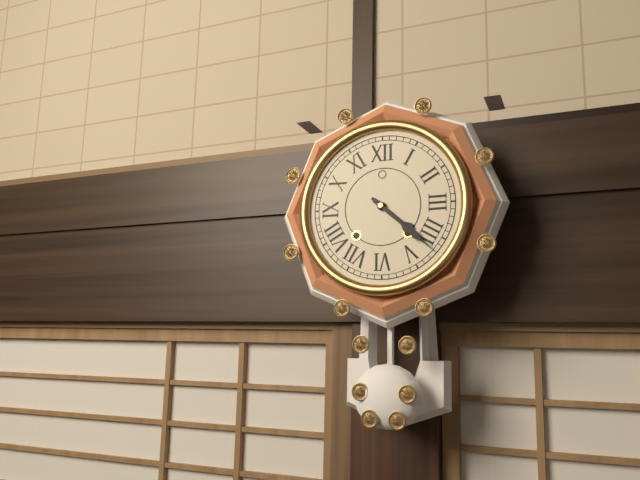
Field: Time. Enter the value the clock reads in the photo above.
4:22
